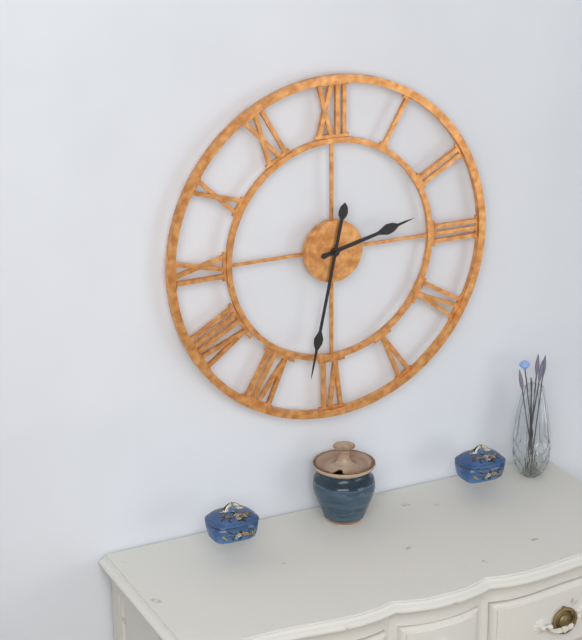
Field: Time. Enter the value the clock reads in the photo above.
2:32
